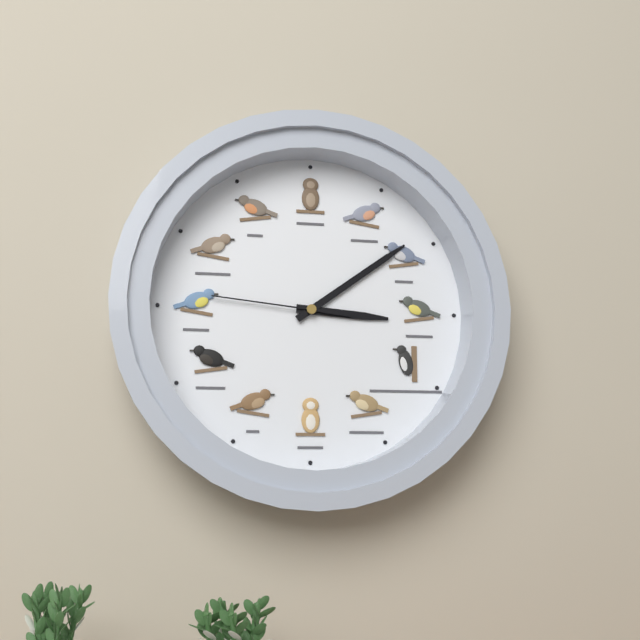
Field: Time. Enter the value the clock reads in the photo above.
3:09:46
